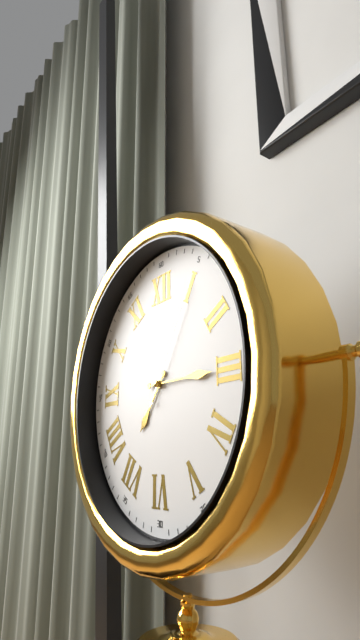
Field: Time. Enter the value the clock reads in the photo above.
7:15:05
